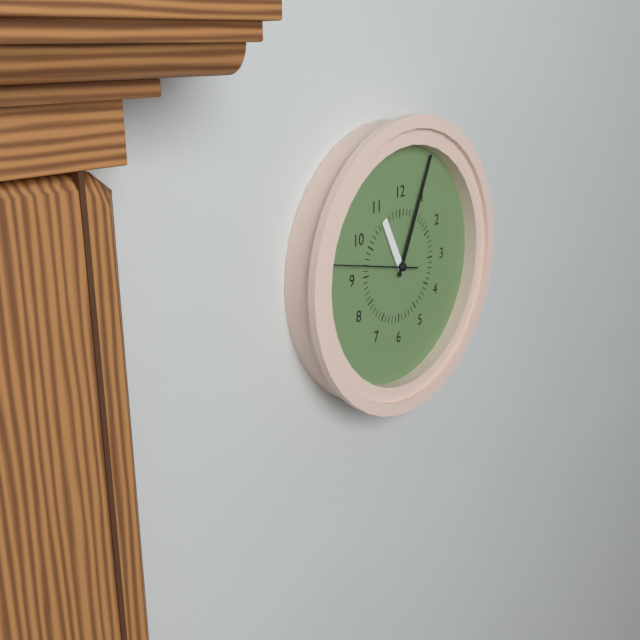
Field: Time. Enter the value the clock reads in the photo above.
11:04:47
